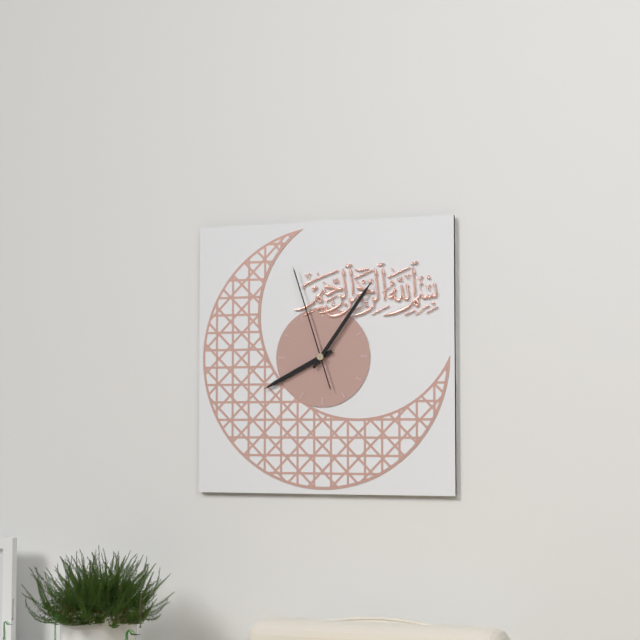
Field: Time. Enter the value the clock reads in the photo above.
8:06:57
